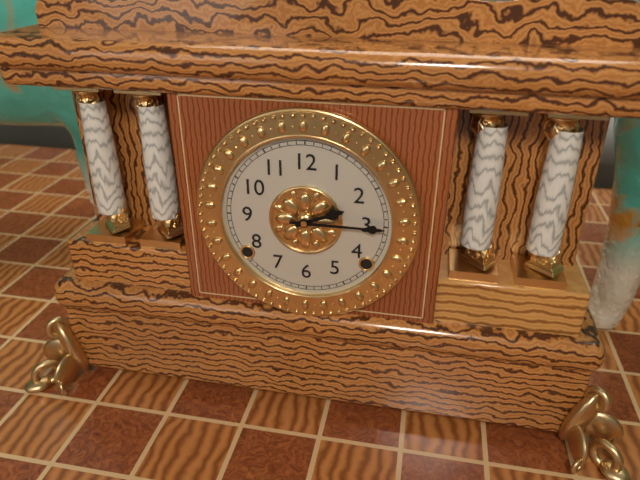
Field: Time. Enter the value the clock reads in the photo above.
2:15
